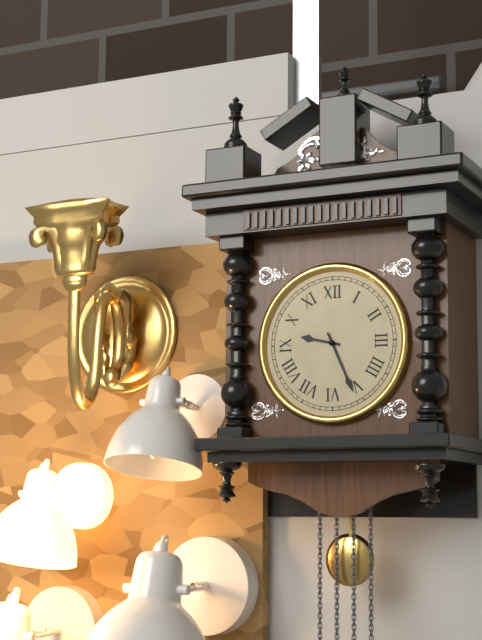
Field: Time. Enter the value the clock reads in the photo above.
9:26
